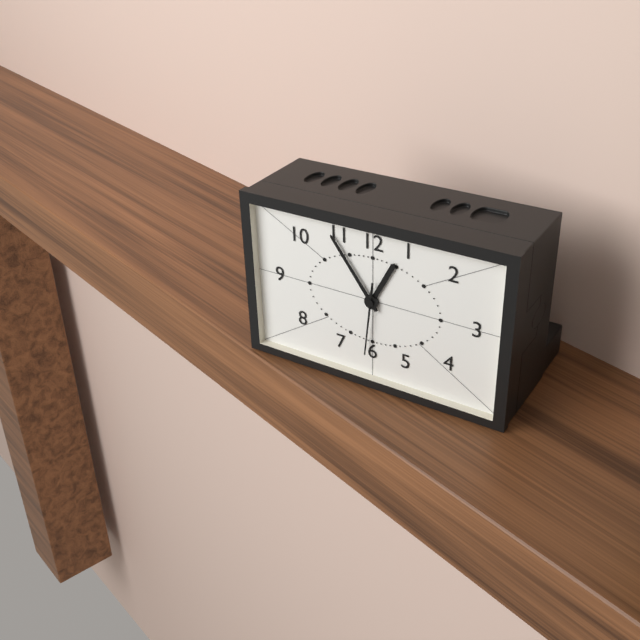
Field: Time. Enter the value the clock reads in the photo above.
12:54:31
